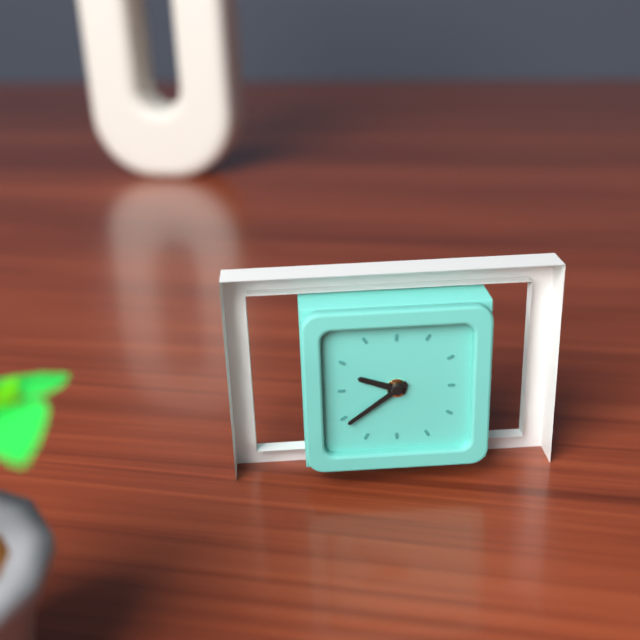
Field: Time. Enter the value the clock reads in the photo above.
9:39
